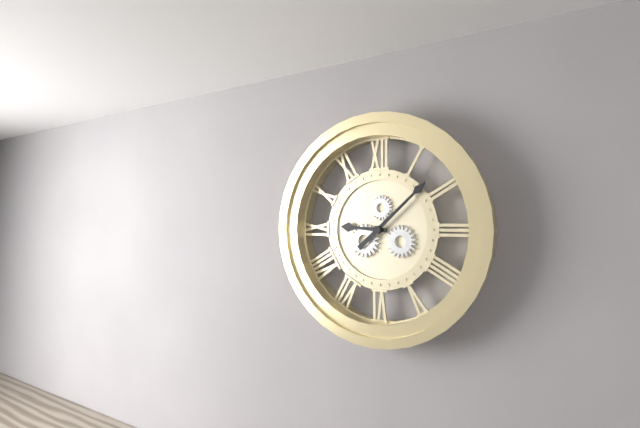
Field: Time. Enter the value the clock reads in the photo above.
9:08
